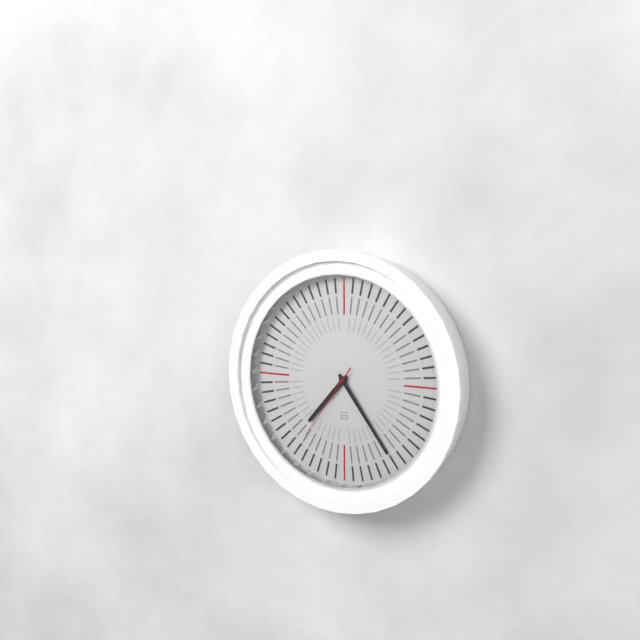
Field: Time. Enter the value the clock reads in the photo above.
7:24:36
